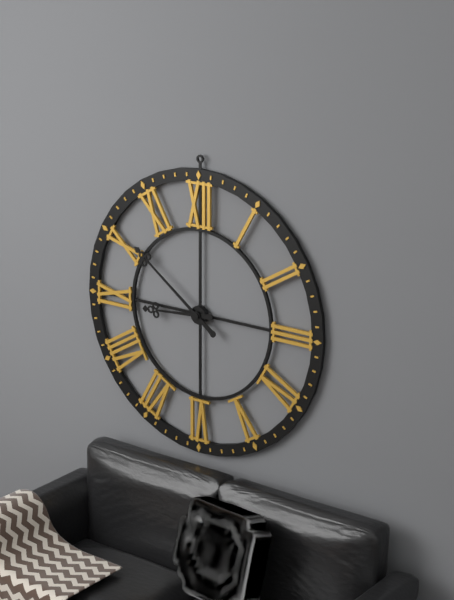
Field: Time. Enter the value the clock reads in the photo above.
8:51
